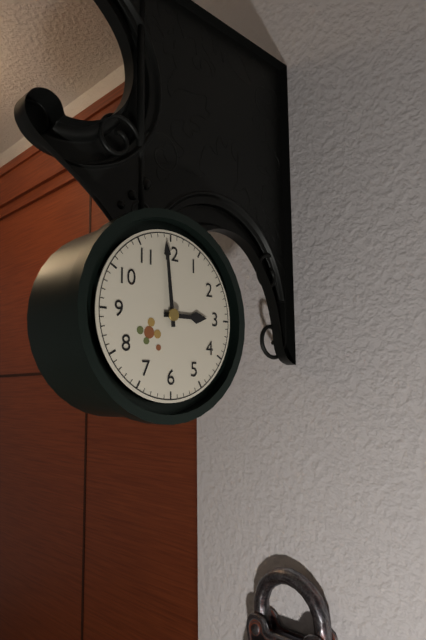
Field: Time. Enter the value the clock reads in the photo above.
2:59
